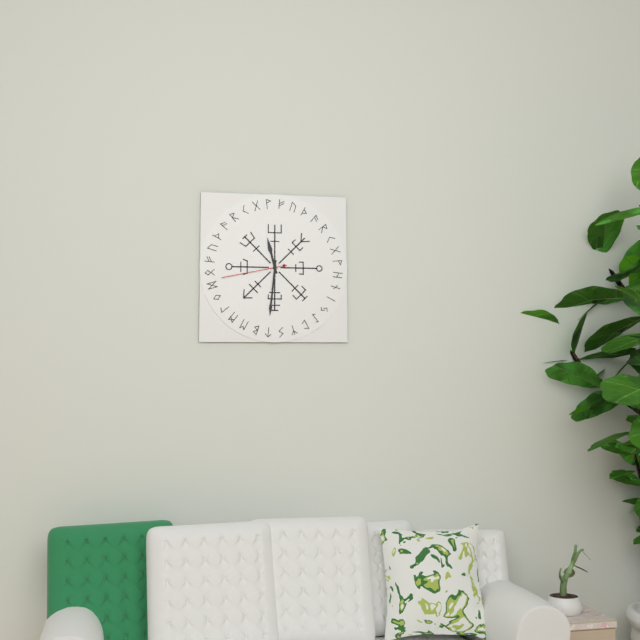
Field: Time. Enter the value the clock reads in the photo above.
11:31:43
